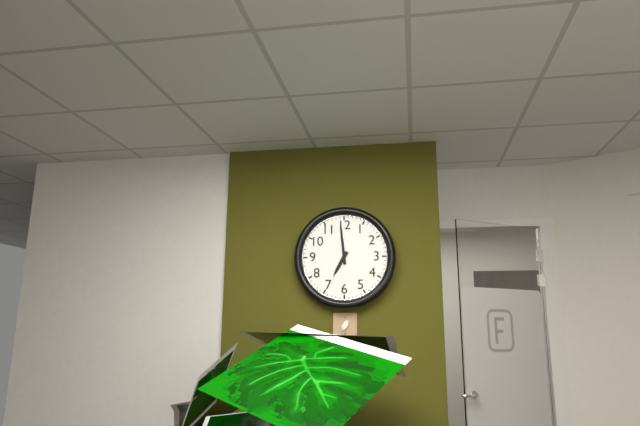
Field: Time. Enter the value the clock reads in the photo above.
6:59
